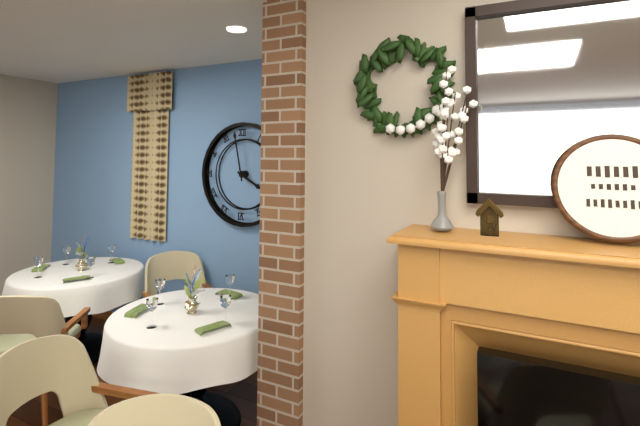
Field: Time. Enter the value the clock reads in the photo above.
3:58
